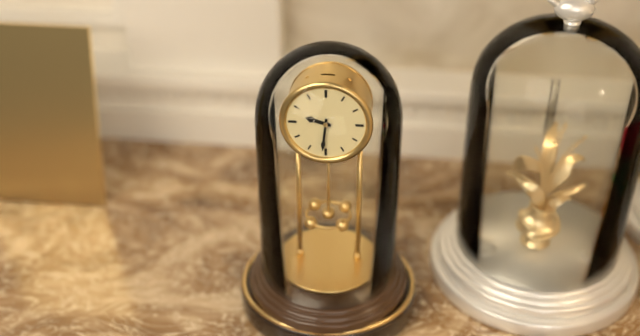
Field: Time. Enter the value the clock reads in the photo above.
9:31
